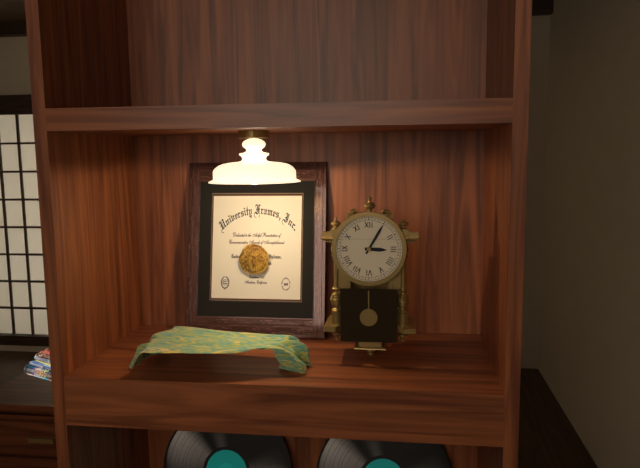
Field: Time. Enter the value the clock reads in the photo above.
3:05
